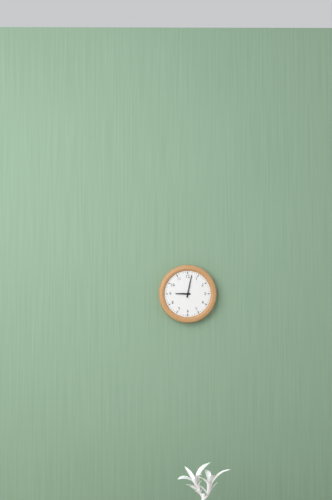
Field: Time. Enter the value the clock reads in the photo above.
9:02
